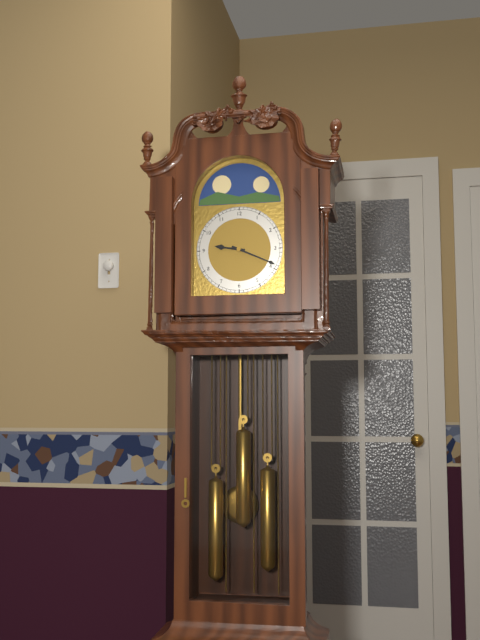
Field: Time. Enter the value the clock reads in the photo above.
9:19
